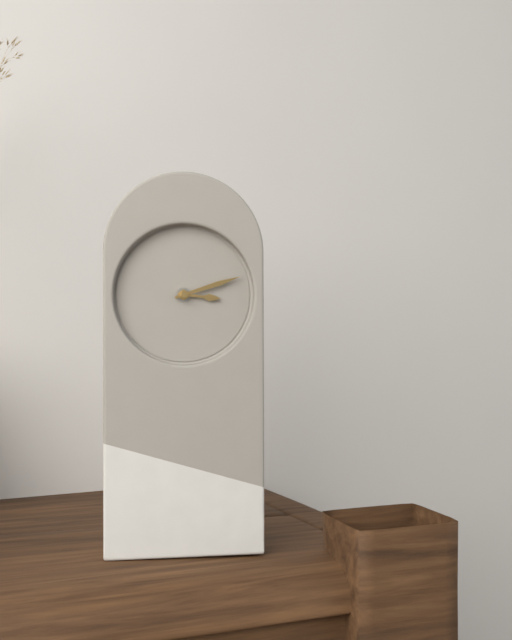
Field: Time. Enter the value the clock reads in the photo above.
3:12
